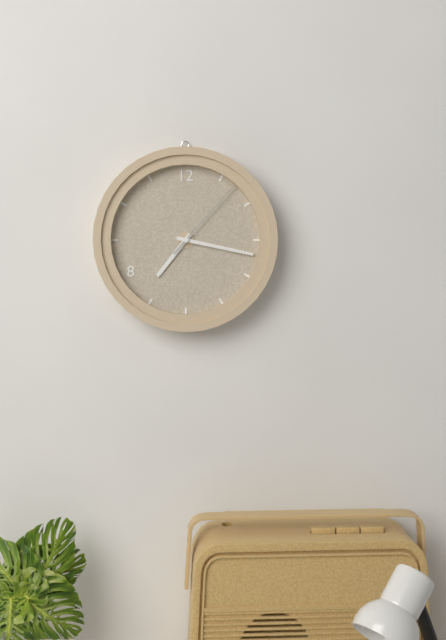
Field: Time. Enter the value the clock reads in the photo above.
7:17:07
